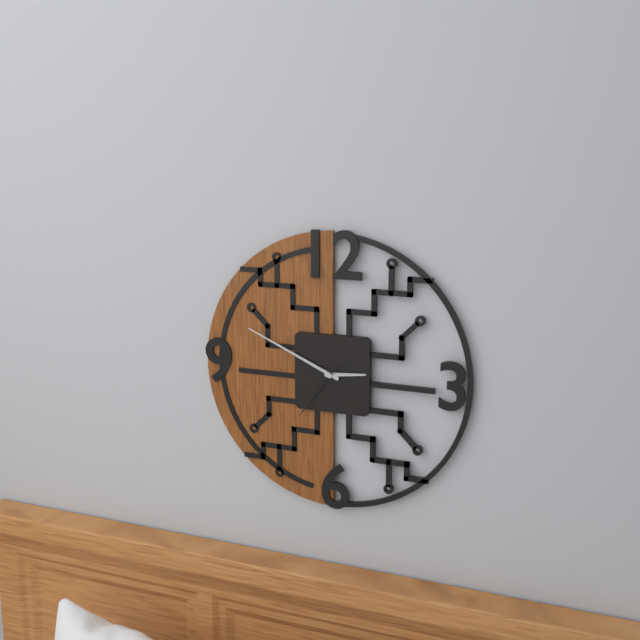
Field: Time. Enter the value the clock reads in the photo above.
2:49:36
